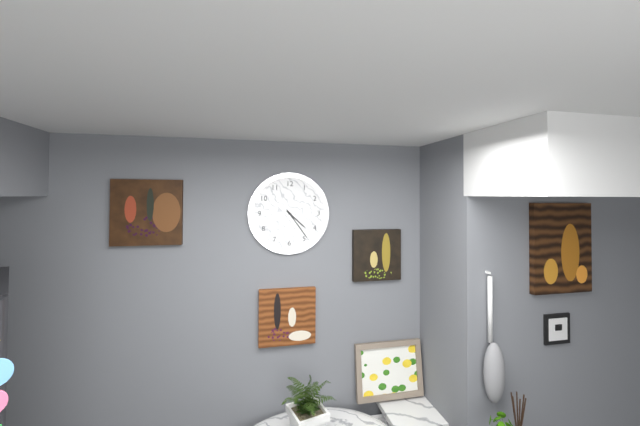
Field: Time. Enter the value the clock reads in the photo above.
4:24
